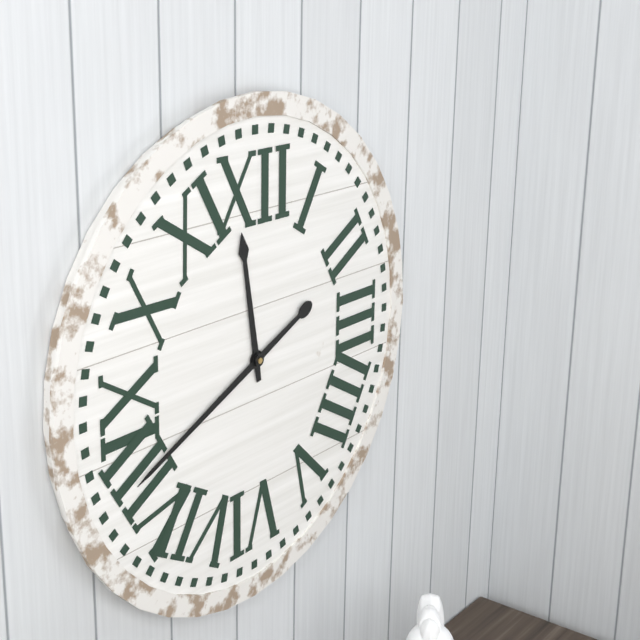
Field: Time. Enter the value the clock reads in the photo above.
11:41
